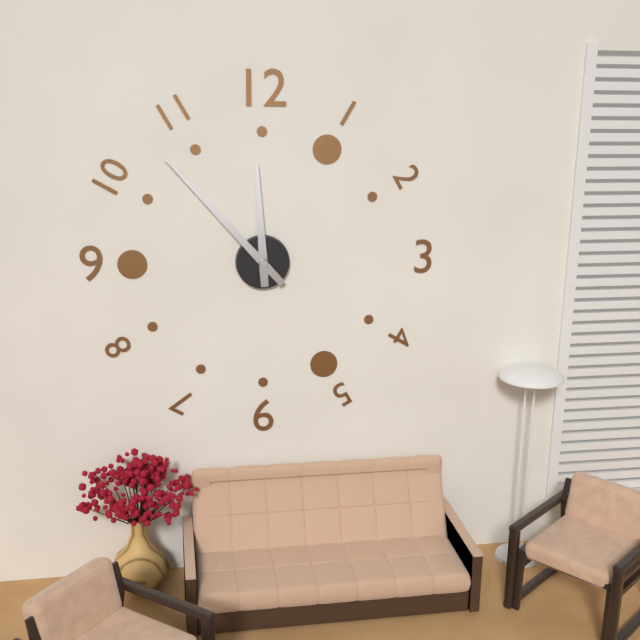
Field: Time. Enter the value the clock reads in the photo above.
11:53
